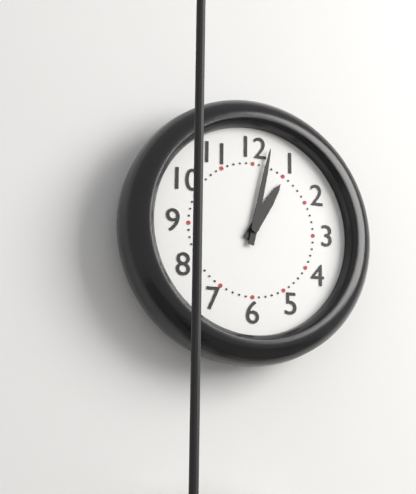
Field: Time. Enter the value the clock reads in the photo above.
1:02
